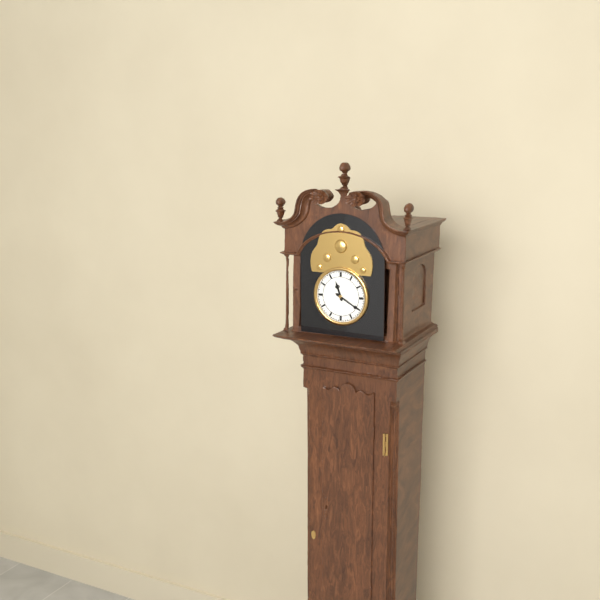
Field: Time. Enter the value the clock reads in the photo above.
11:20
